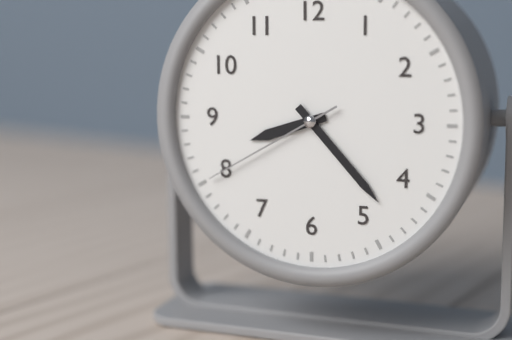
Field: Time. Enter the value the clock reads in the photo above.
8:23:40
